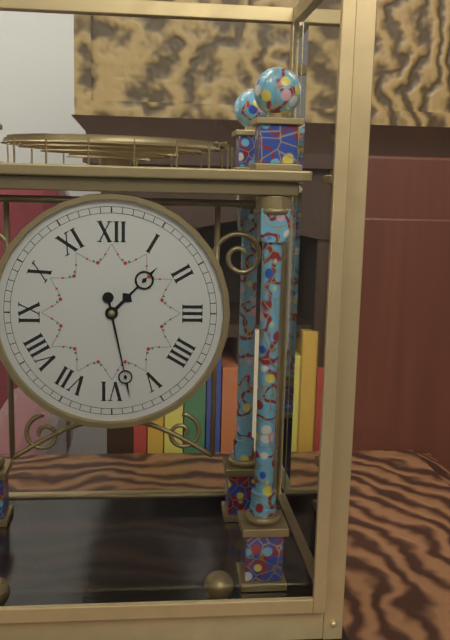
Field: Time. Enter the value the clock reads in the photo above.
1:28
